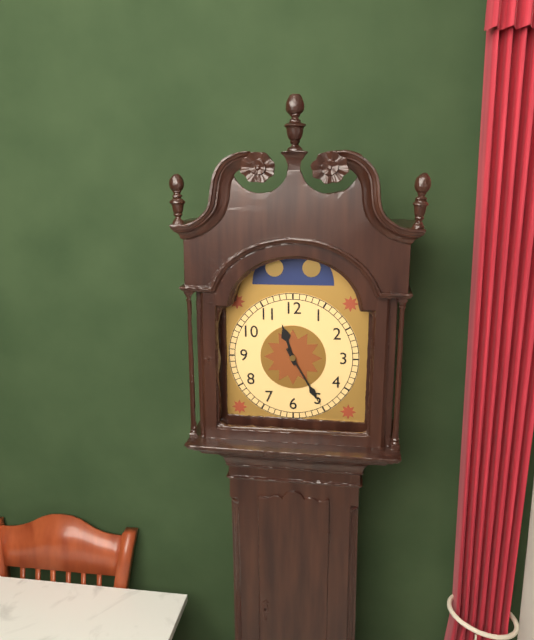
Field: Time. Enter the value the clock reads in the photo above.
11:25
